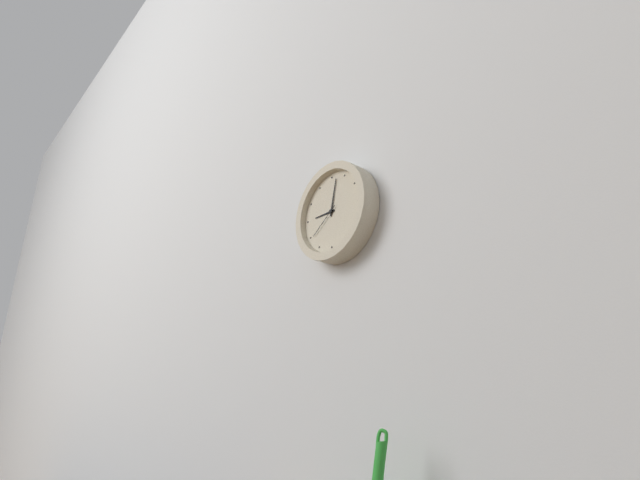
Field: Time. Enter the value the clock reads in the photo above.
9:02
